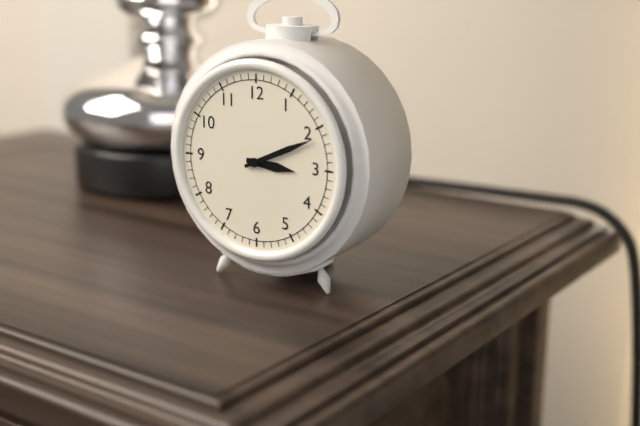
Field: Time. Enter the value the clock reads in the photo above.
3:11
